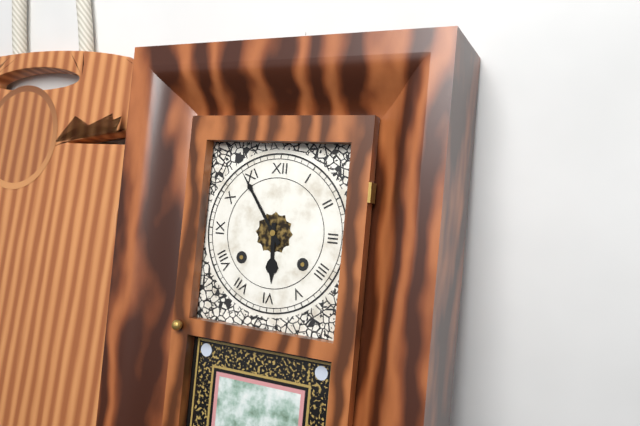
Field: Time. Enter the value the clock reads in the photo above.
5:54
